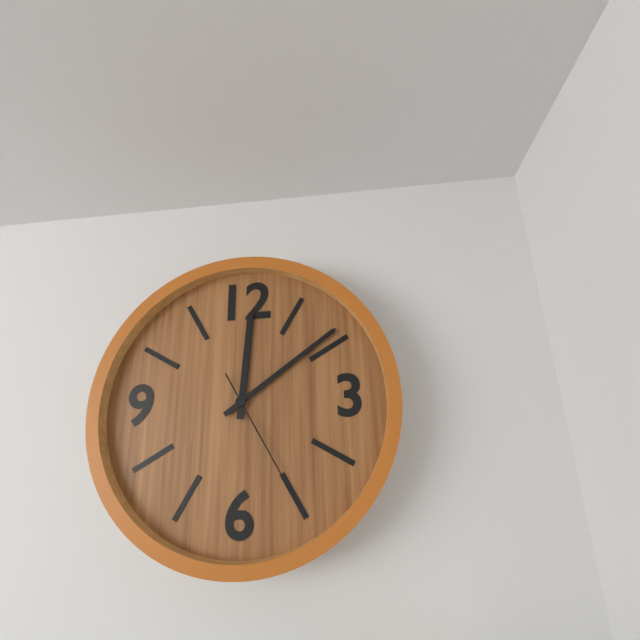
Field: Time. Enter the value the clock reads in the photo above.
12:09:25
